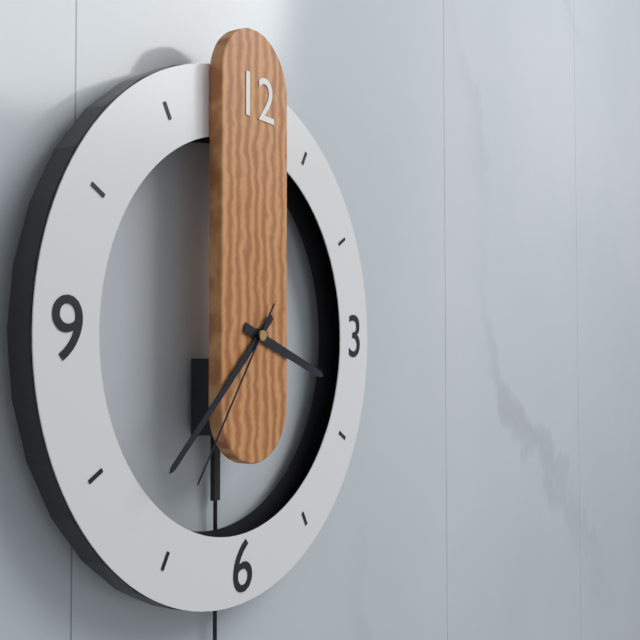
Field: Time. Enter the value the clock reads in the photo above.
3:38:36
